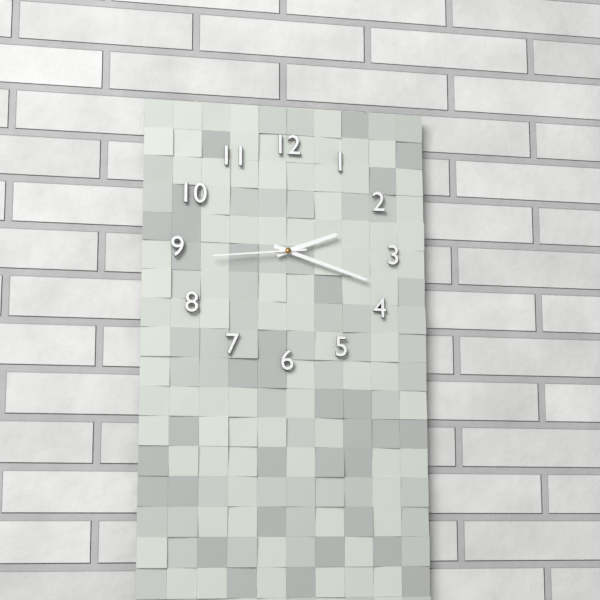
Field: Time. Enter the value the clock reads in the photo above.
2:18:44
